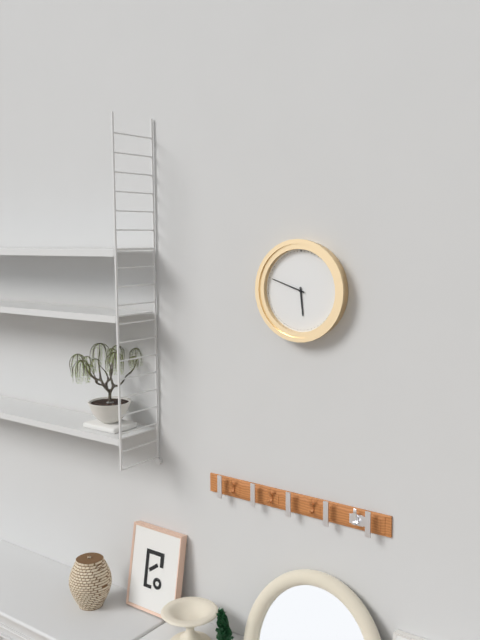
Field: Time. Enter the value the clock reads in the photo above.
5:48
